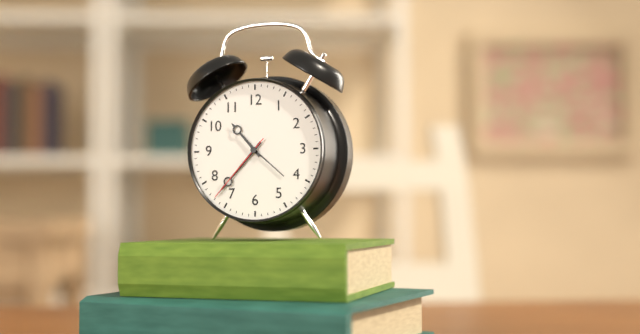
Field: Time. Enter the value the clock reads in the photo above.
10:37:37
